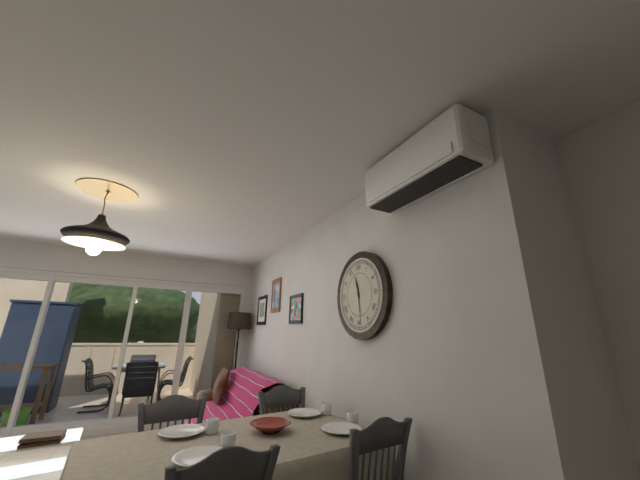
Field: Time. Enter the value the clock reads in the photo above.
11:29
